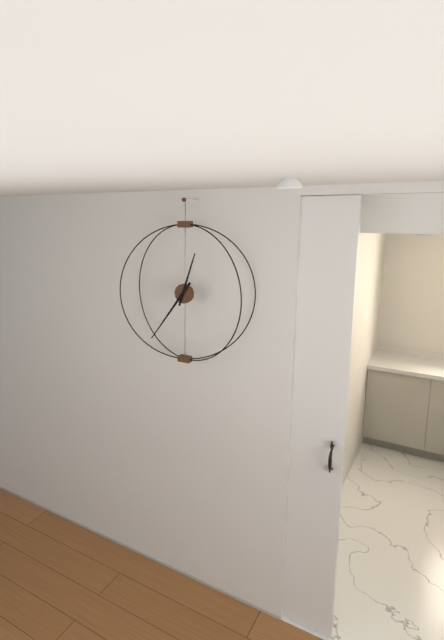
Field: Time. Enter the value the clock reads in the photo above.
12:36
